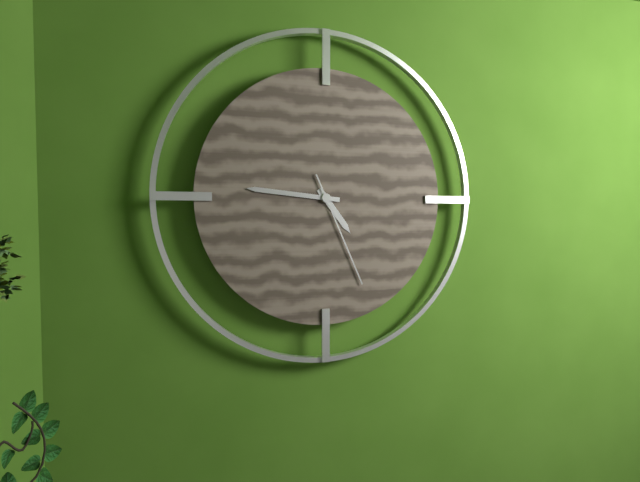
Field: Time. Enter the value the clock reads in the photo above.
4:46:26
